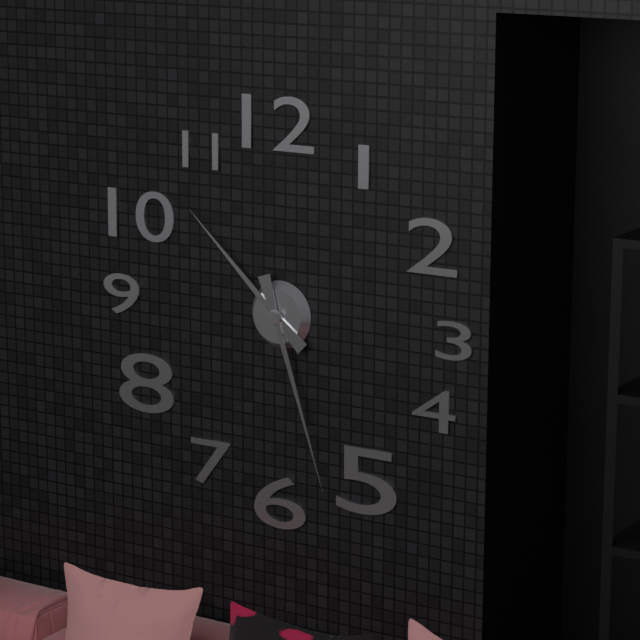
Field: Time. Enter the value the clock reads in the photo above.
10:27
